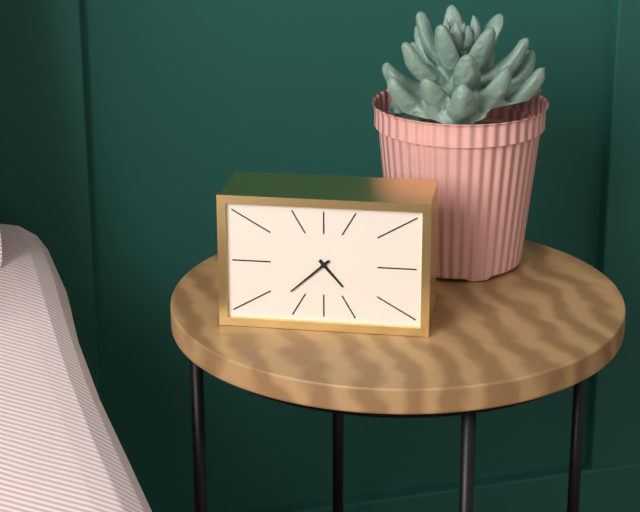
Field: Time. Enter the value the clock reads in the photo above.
4:38
